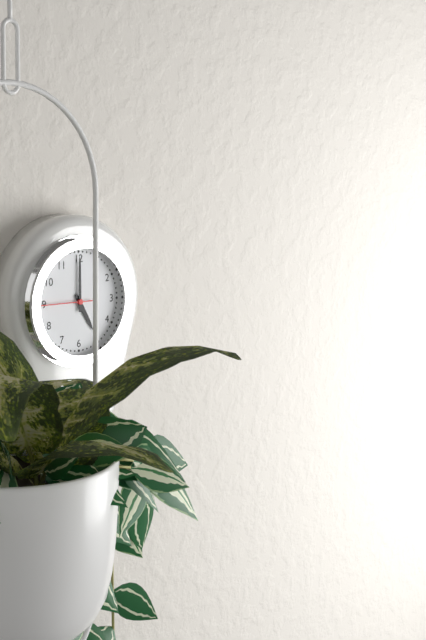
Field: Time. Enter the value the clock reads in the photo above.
5:00:45
